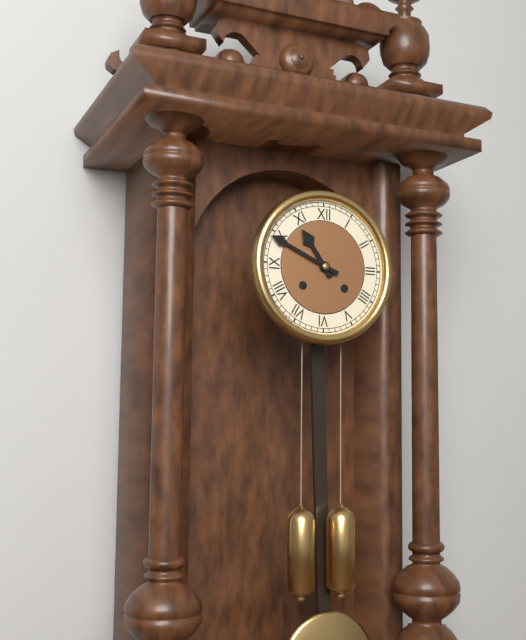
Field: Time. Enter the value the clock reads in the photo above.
10:49
